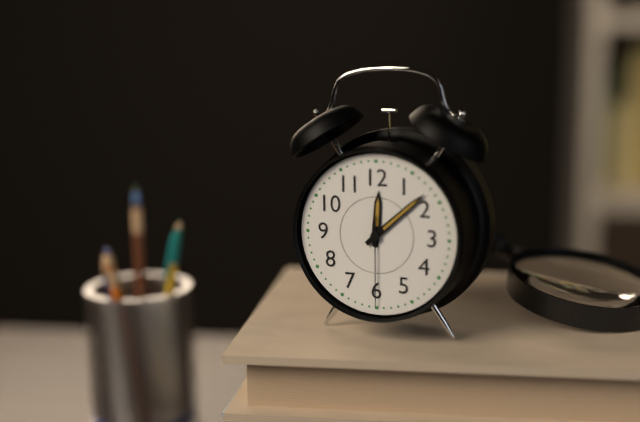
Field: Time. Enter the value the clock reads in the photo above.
12:08:30
